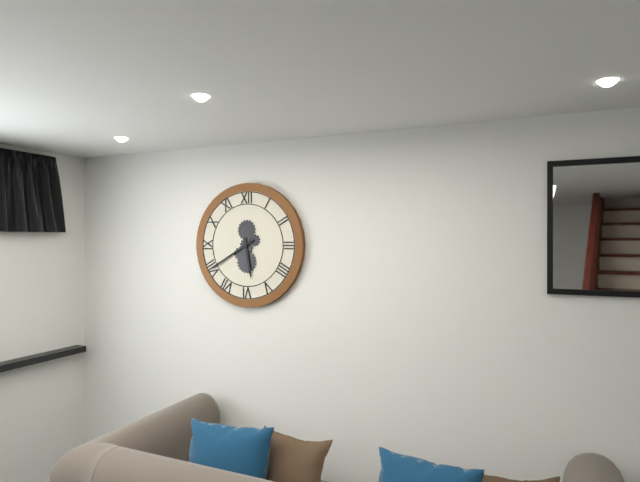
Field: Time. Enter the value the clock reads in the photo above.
5:40
